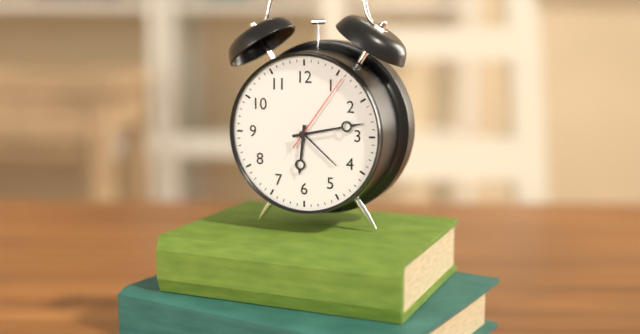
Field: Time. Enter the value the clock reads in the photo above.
6:13:06
